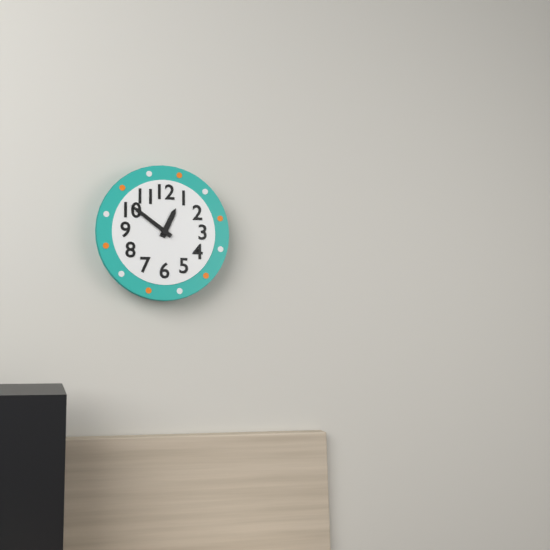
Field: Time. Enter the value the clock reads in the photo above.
12:51
